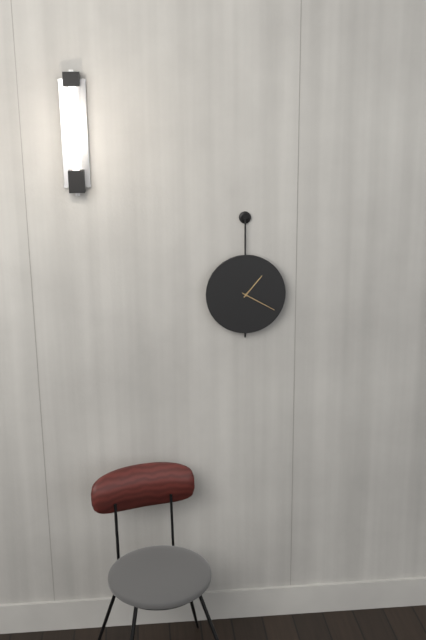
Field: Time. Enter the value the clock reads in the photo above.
1:20
